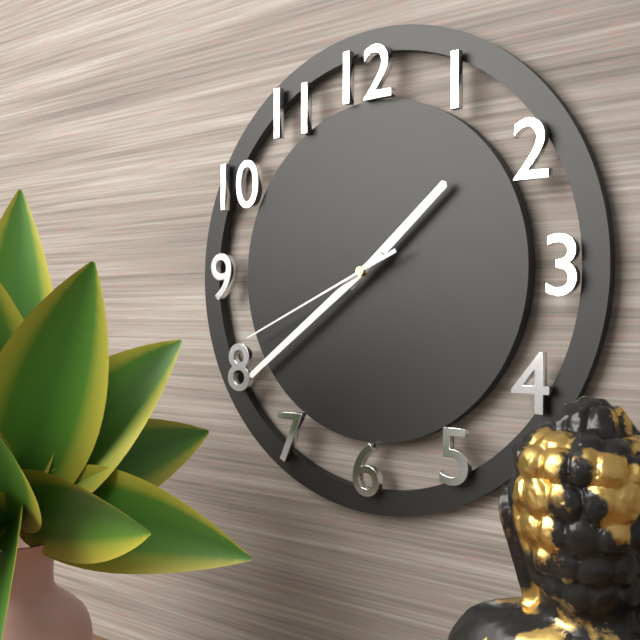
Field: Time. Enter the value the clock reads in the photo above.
1:39:41
